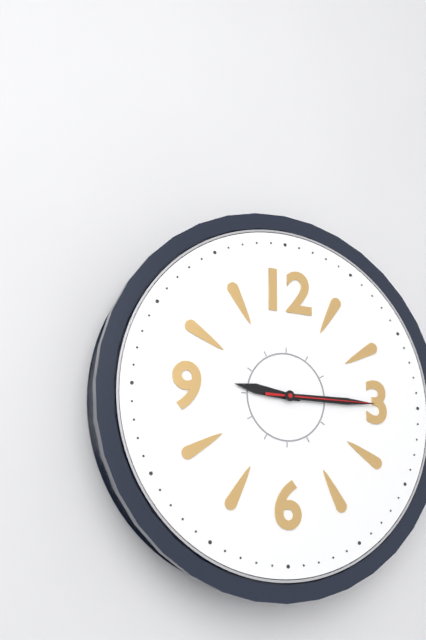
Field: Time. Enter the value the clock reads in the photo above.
9:15:15
